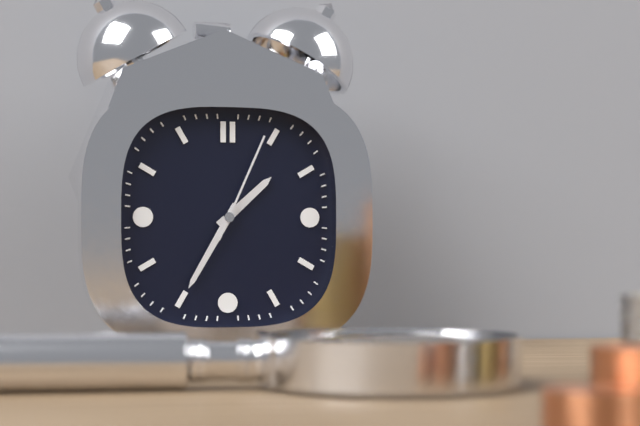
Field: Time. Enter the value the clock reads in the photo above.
1:35:04
